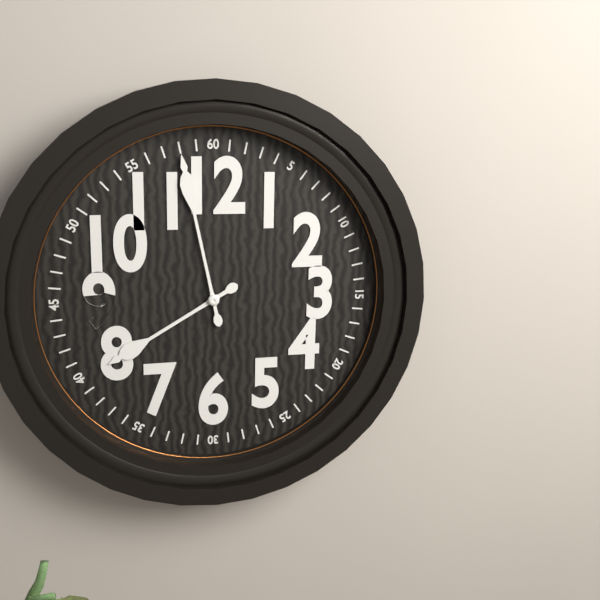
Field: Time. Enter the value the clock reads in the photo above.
7:58
